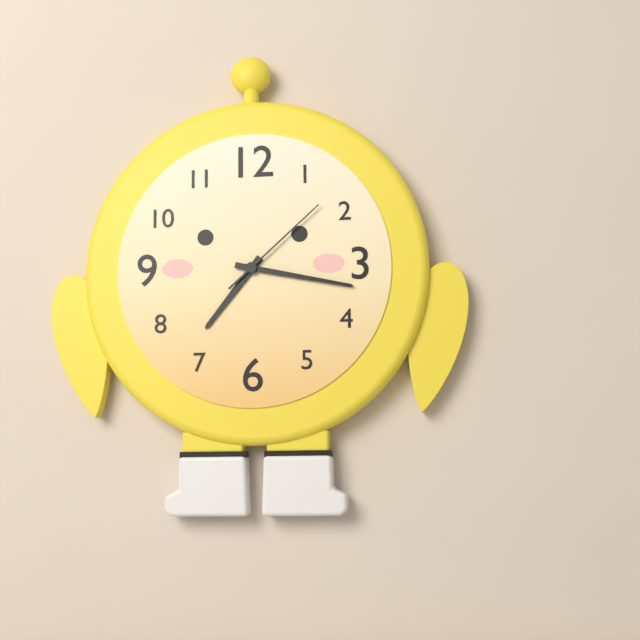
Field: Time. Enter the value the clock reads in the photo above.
7:17:08
